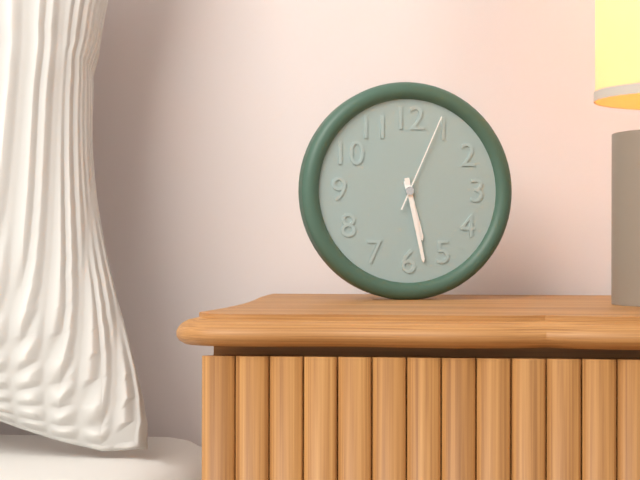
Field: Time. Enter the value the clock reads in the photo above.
5:28:04
